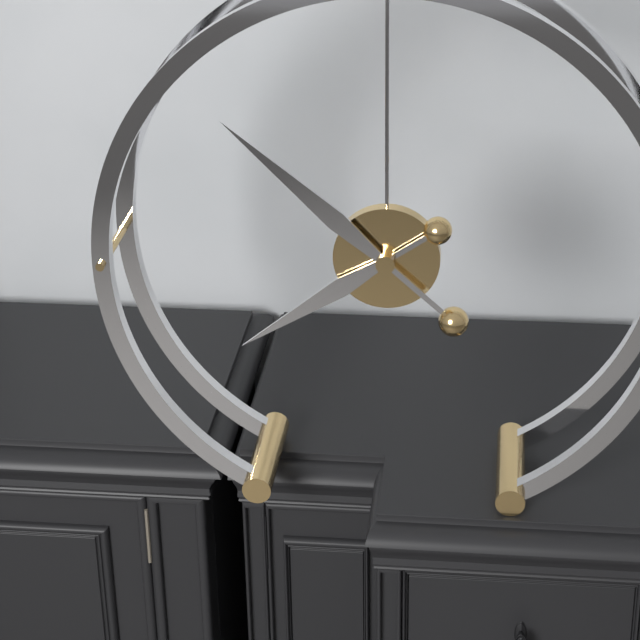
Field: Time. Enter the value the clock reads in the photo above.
7:52
